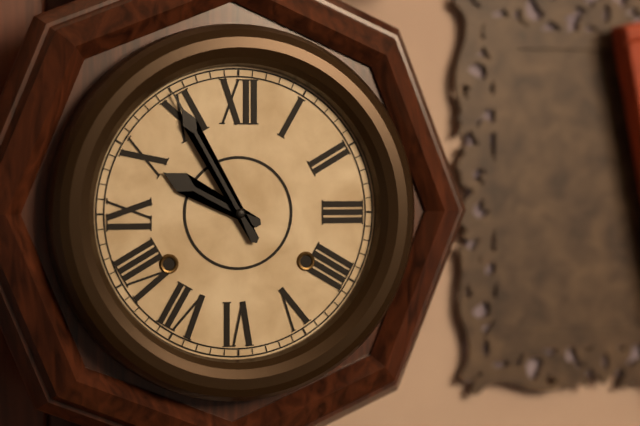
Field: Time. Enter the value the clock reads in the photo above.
9:55
